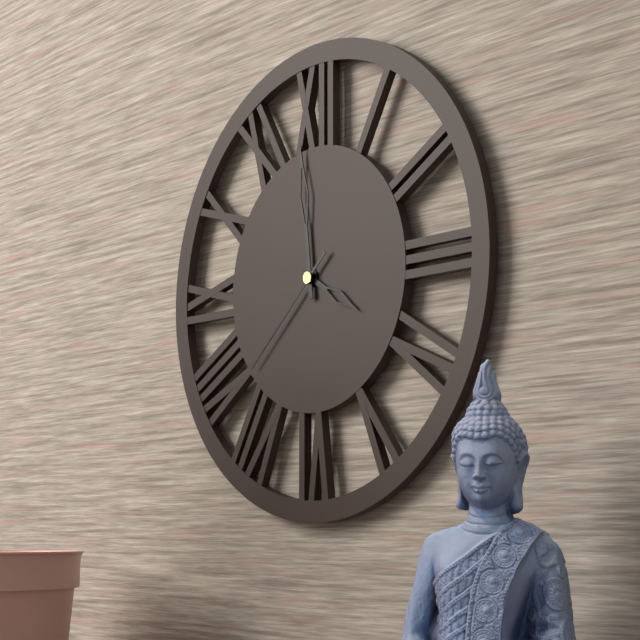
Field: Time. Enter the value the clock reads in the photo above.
3:59:38
